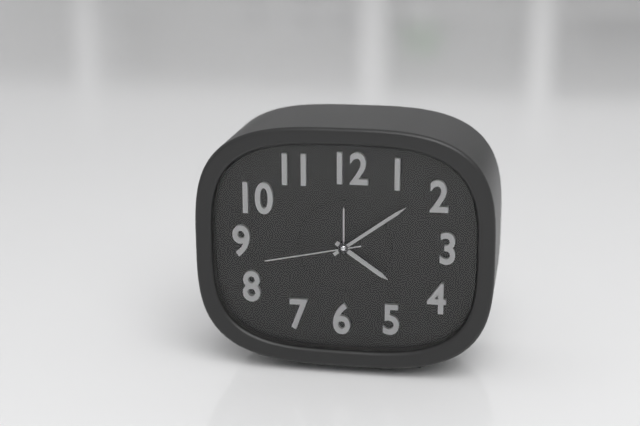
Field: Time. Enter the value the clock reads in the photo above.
4:09:43
